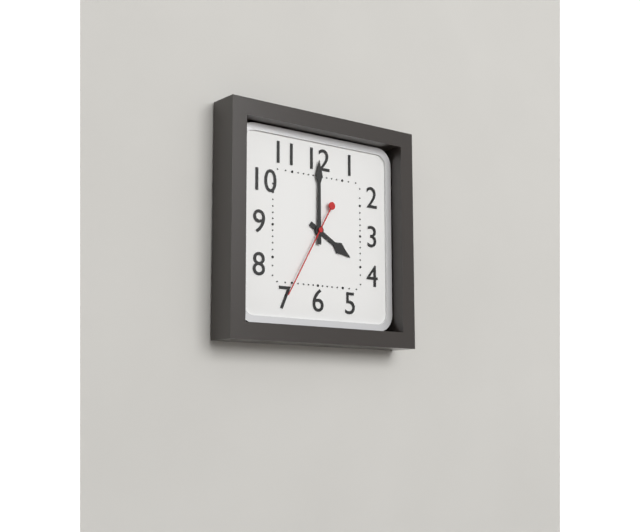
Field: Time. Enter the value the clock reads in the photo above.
4:00:35
